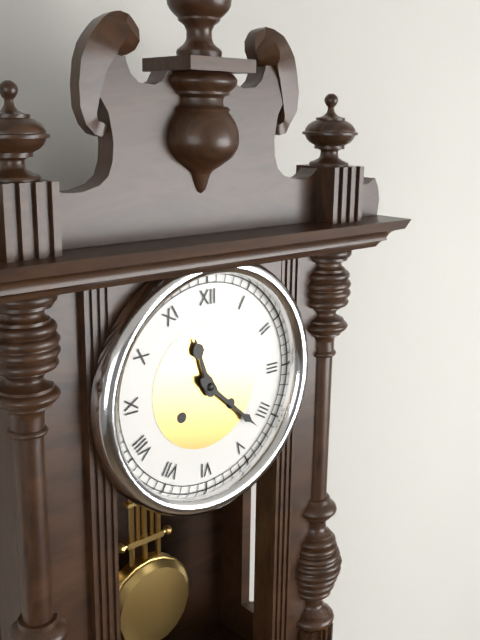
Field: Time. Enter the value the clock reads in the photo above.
11:22
